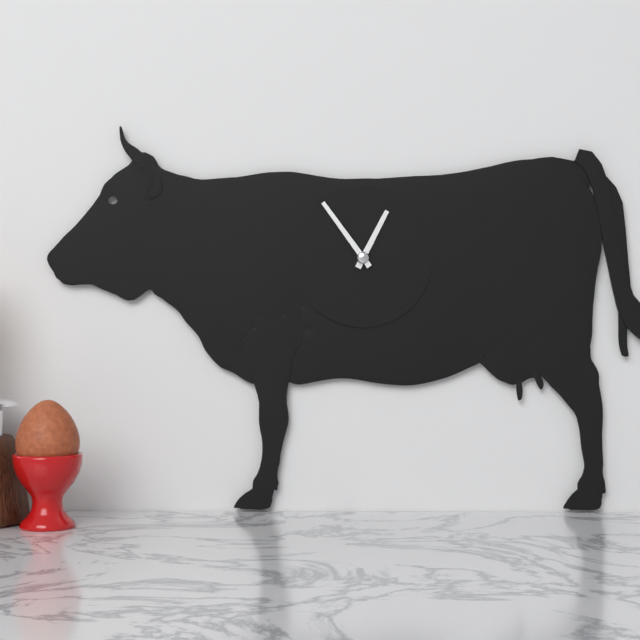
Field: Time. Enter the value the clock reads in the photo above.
12:54
